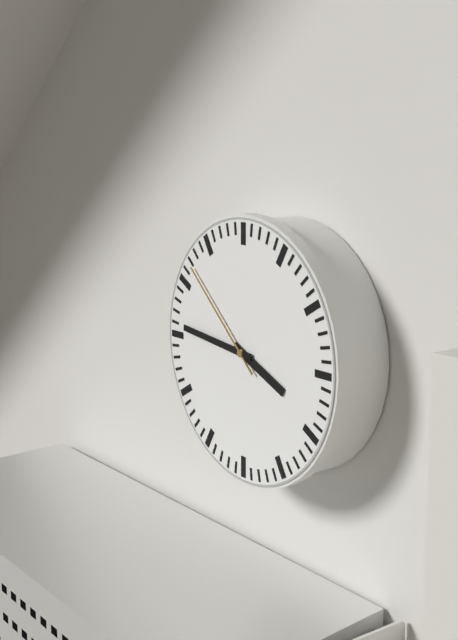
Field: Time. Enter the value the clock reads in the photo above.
3:46:52
